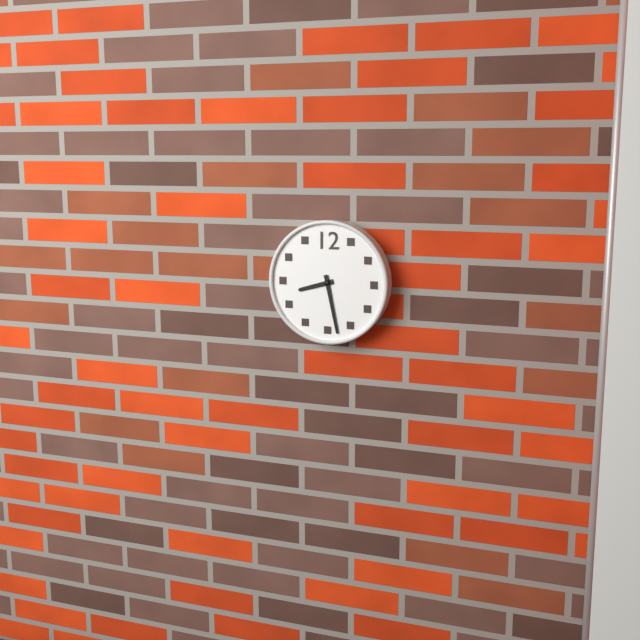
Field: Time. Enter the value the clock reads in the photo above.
8:28
